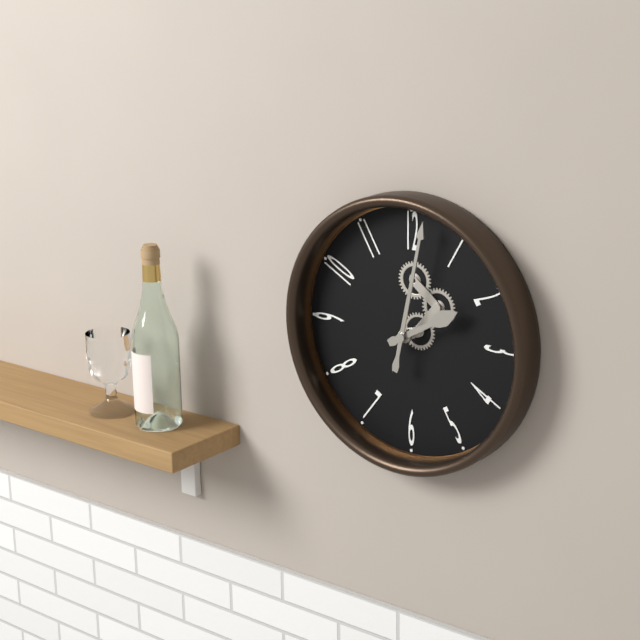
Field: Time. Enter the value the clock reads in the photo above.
2:02
